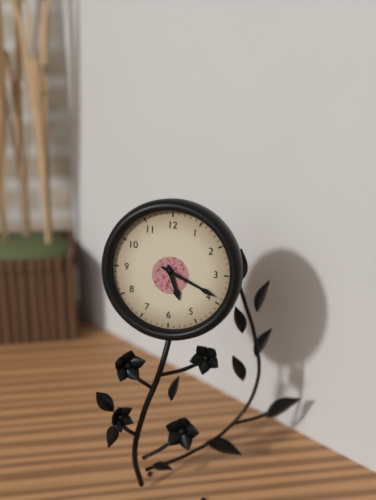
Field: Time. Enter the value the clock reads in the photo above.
5:19
